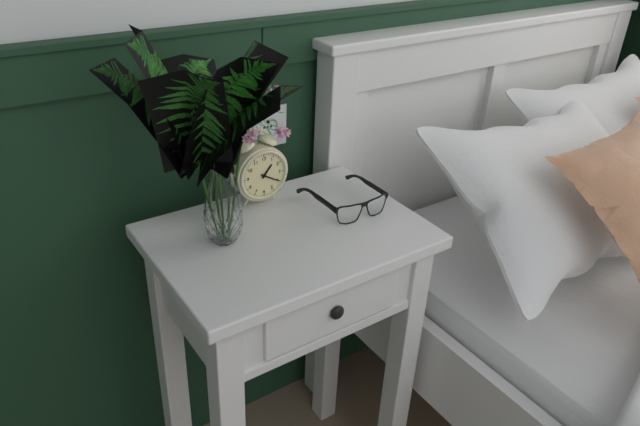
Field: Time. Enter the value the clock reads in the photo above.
1:20
